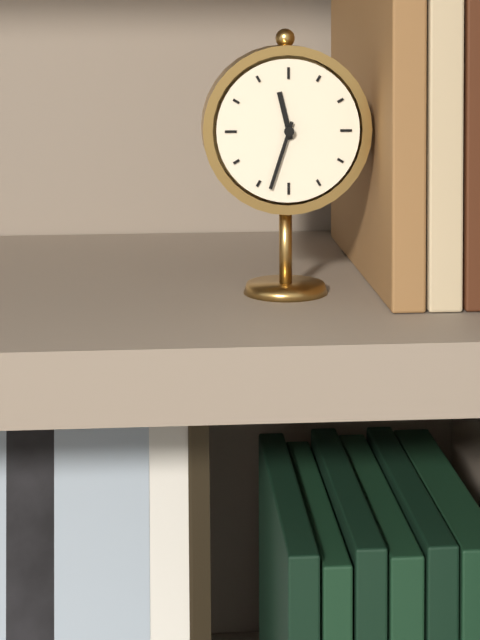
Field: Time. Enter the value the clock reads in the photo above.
11:33
